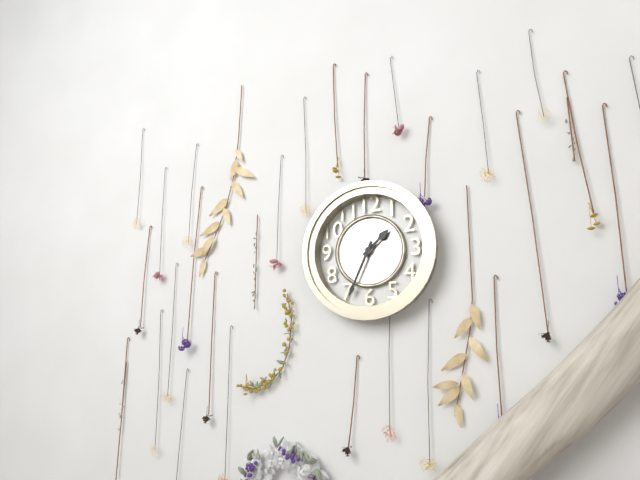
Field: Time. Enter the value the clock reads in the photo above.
1:34
